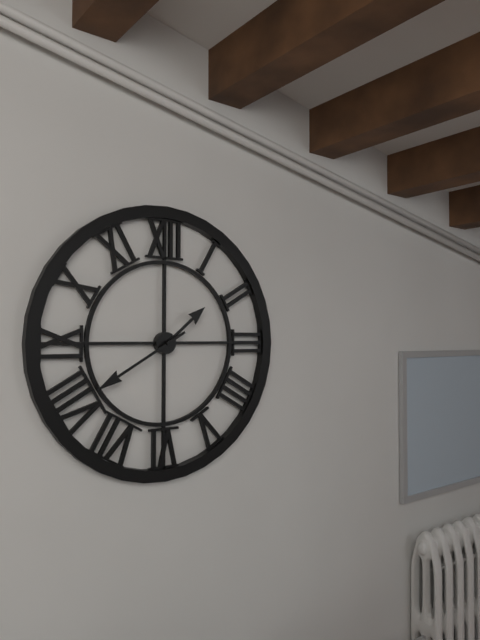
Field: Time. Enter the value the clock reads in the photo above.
1:40
